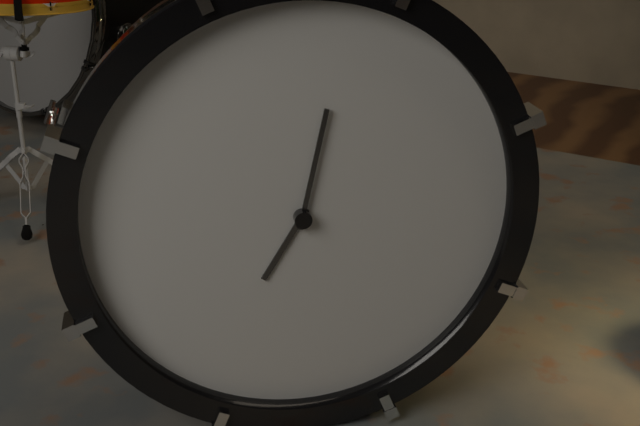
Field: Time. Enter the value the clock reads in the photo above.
7:02
